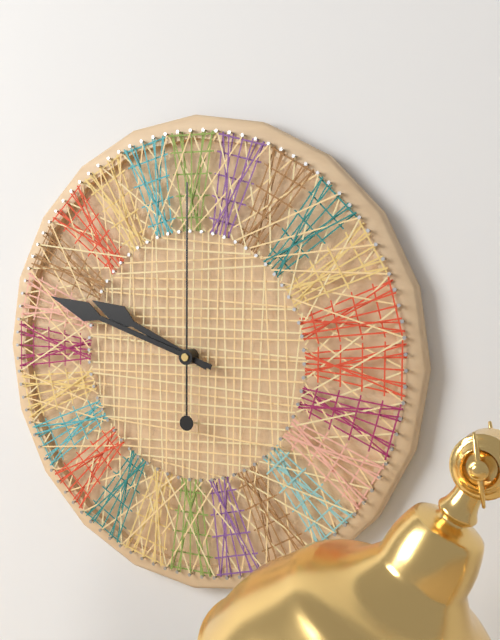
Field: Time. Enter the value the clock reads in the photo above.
9:48:00
